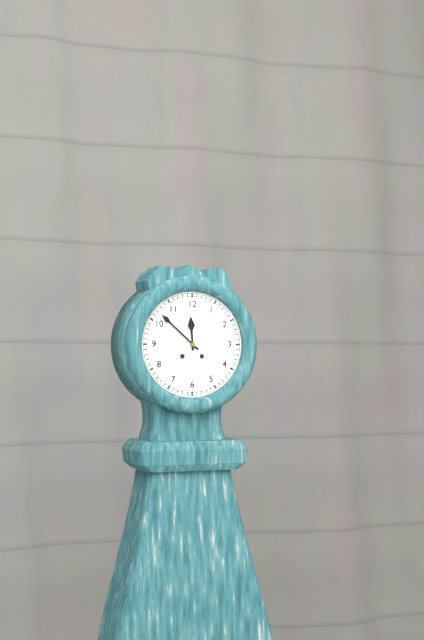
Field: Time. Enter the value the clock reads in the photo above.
11:52
